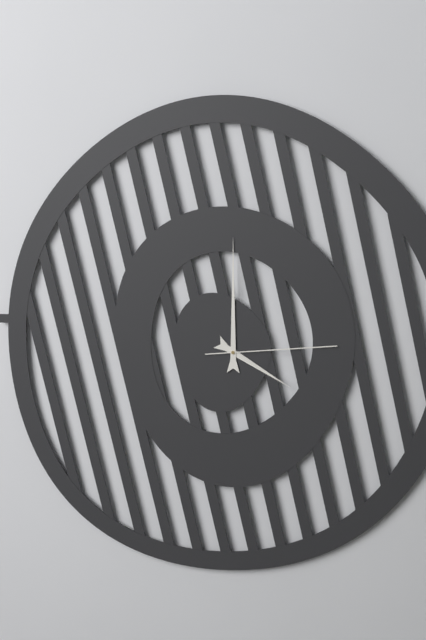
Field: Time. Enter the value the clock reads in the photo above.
4:00:14
